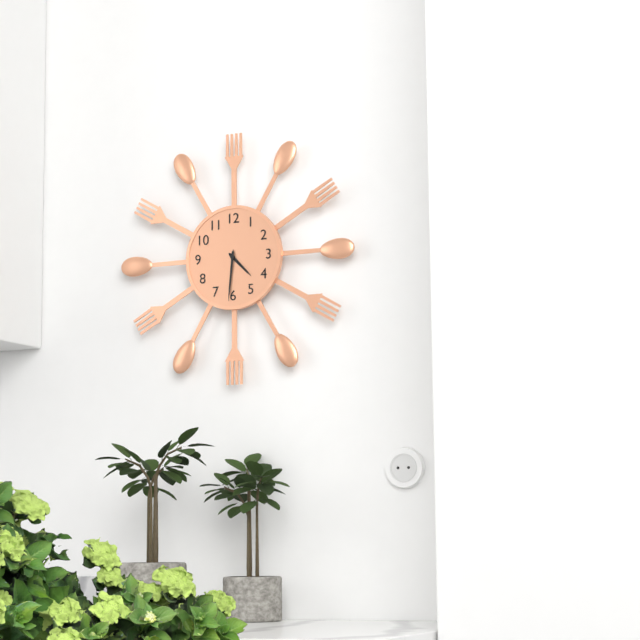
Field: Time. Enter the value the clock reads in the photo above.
4:31
